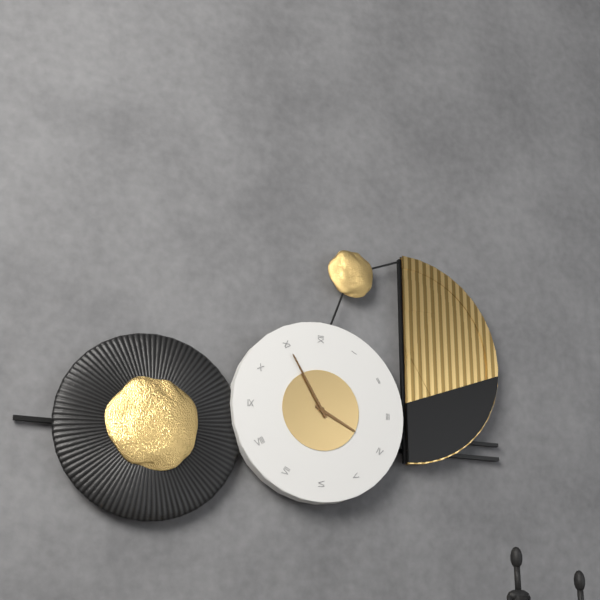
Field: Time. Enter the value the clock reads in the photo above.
3:55
